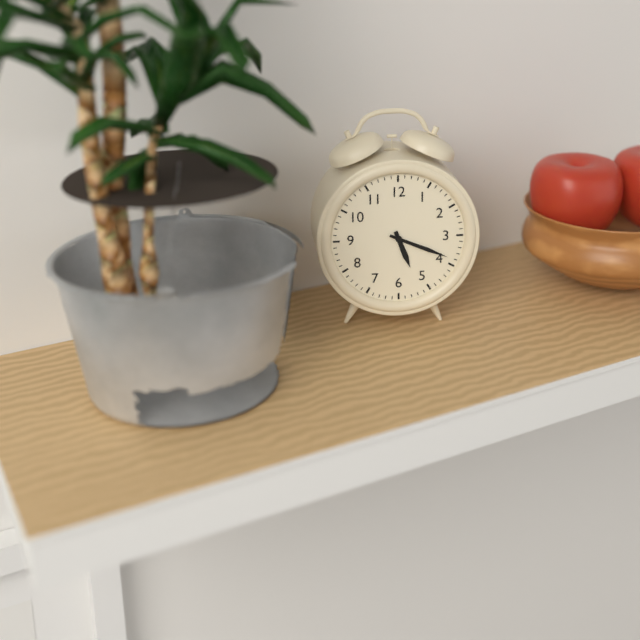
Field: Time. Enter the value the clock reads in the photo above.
5:19
